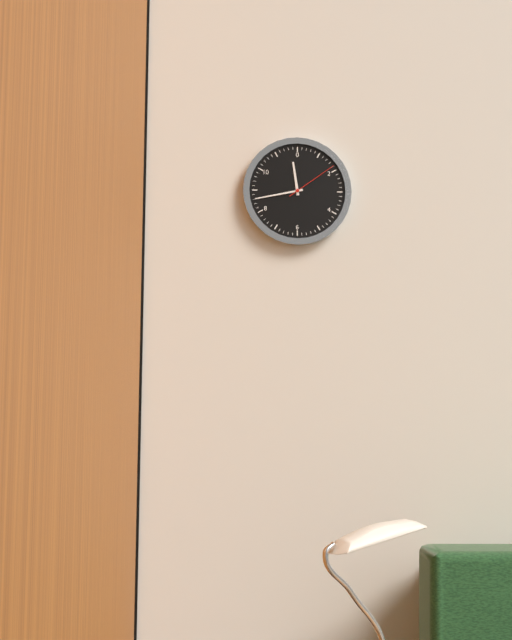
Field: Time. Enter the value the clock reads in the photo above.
11:43:09
